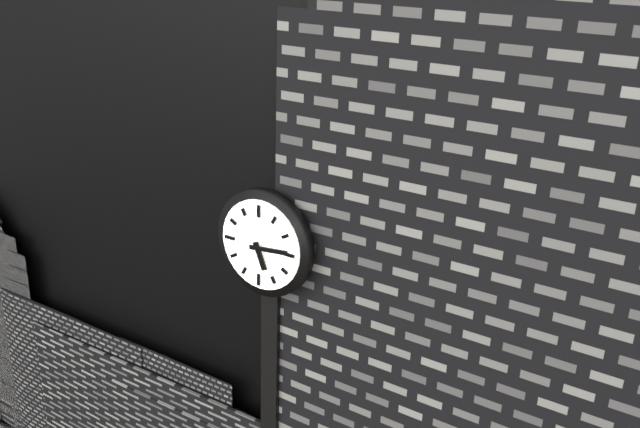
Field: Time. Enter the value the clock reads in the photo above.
5:14
